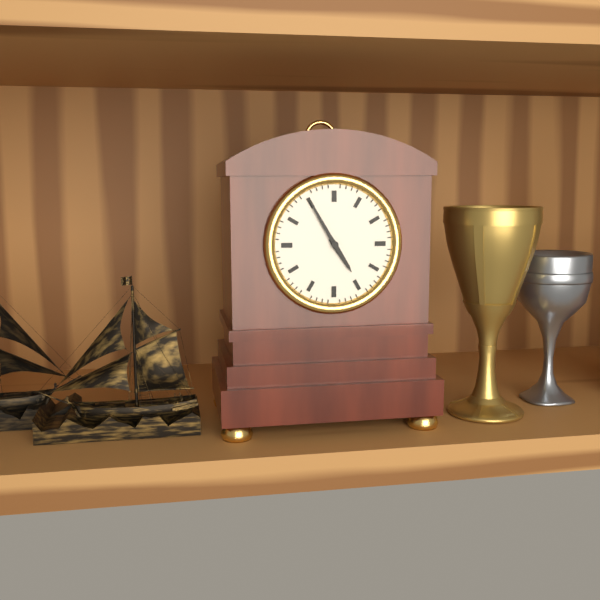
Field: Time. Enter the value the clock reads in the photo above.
4:55
